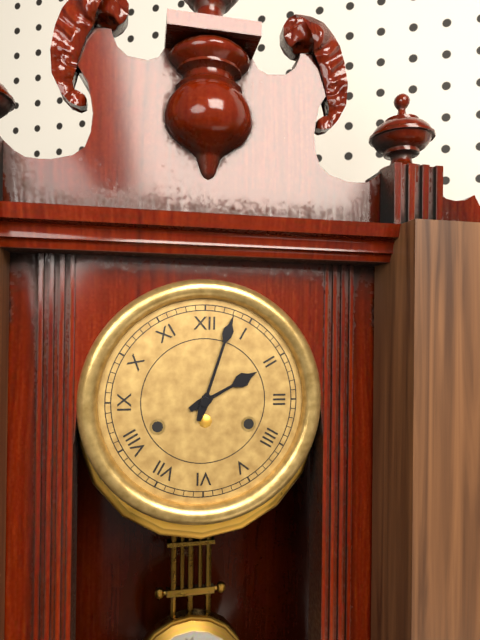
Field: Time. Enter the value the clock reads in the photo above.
2:03
